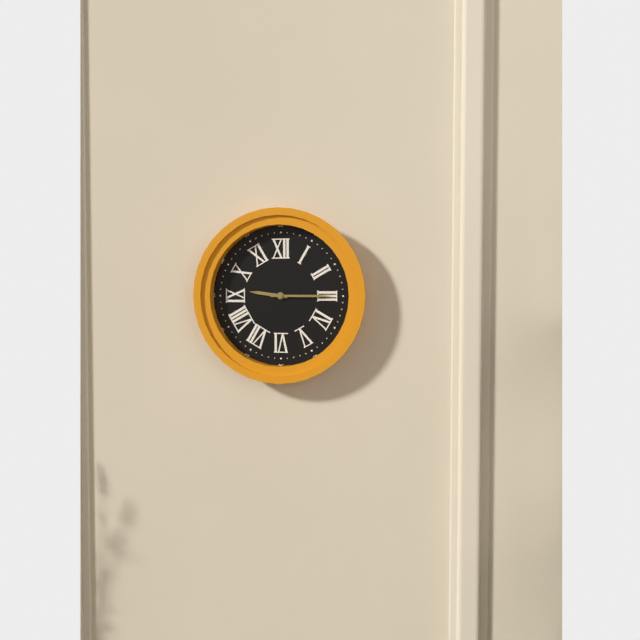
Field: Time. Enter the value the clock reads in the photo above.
9:15
